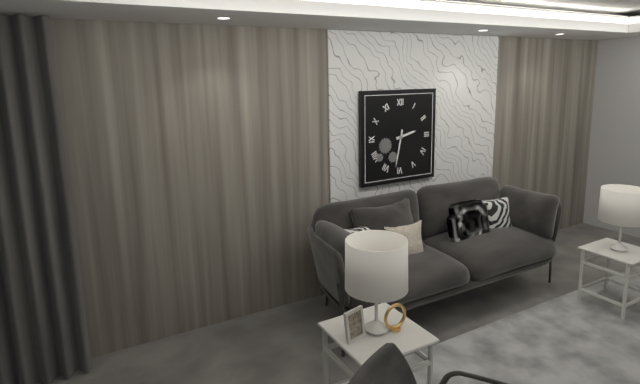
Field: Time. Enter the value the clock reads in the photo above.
2:32
